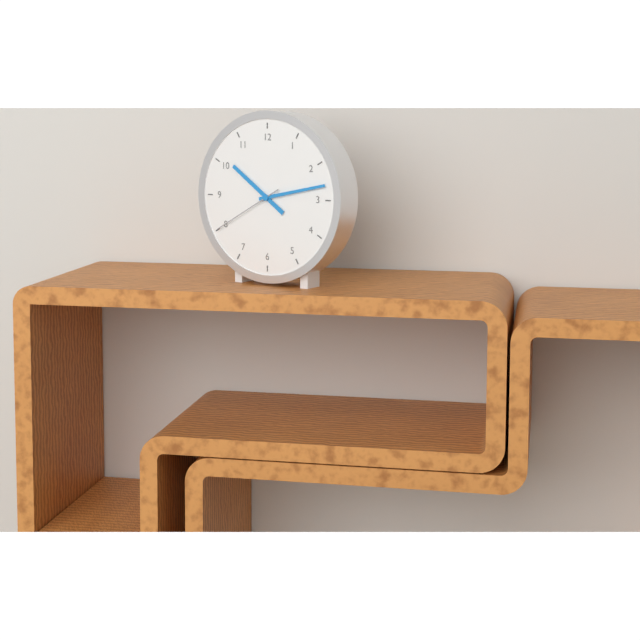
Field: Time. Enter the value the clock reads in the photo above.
10:13:40
